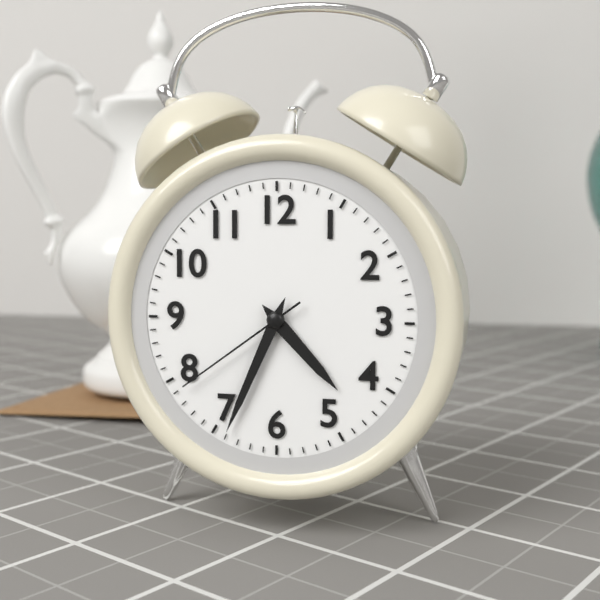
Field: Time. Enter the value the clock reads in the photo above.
4:34:39
